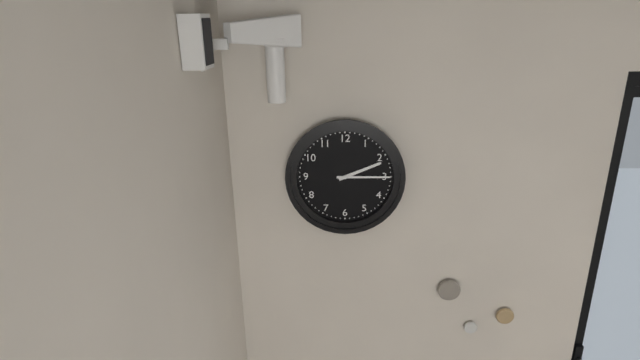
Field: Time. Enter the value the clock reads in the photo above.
2:15
